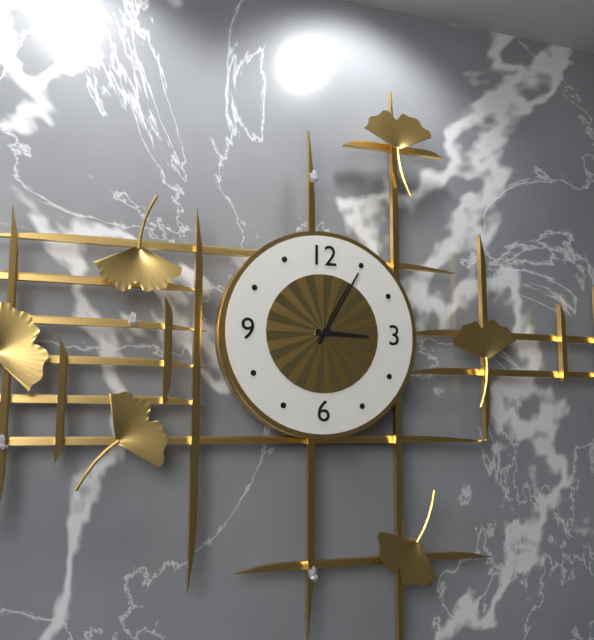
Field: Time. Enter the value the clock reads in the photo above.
3:05
